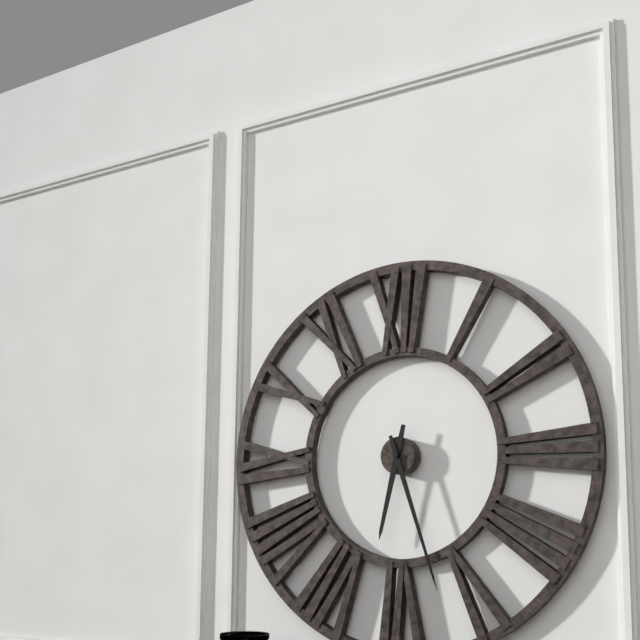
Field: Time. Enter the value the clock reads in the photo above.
6:27
